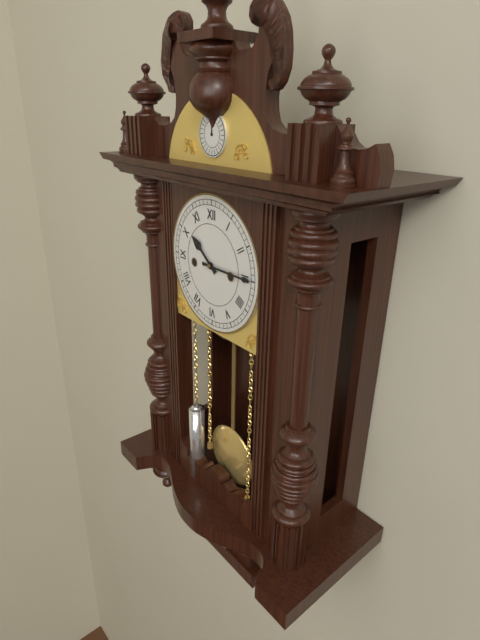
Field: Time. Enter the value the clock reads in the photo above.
10:15
